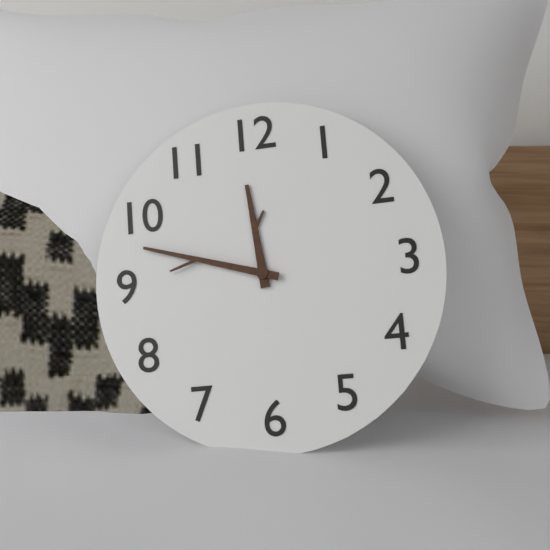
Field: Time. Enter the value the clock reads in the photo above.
11:48
